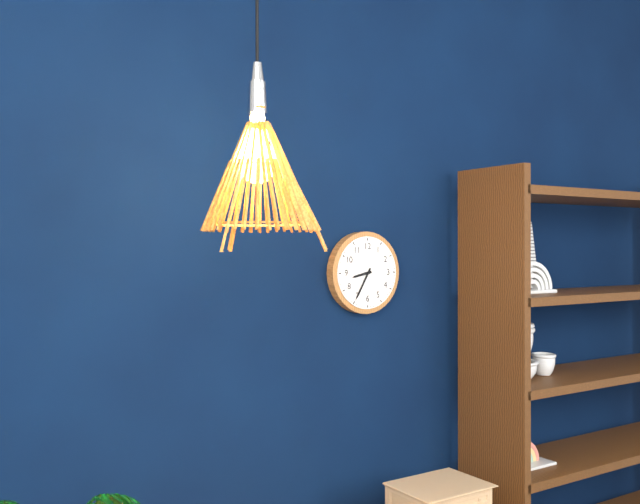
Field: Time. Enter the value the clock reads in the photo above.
8:35
